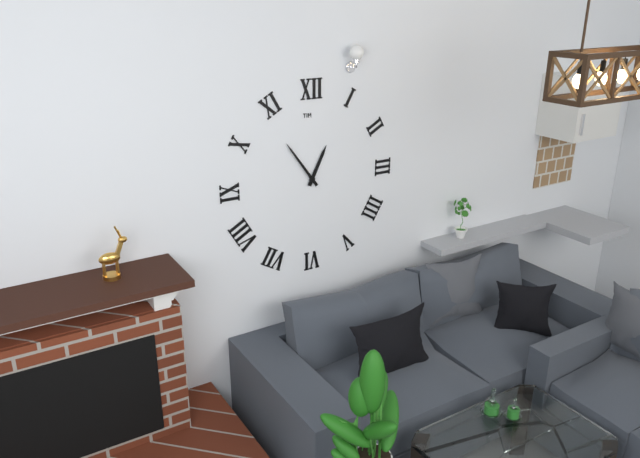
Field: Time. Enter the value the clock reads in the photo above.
12:54
